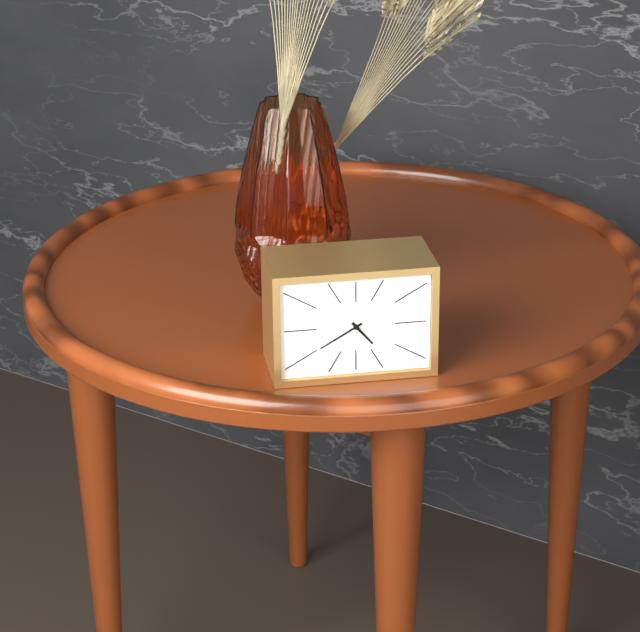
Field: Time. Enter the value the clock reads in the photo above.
4:40
